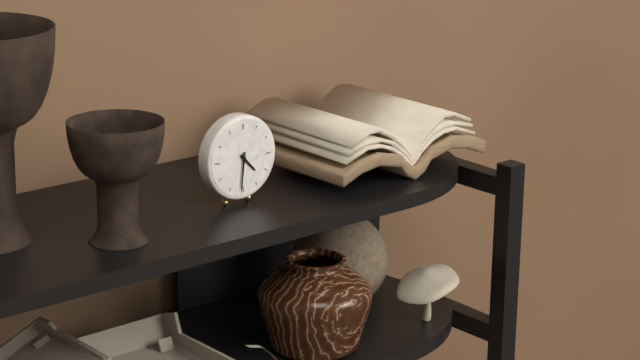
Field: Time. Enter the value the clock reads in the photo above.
4:31
